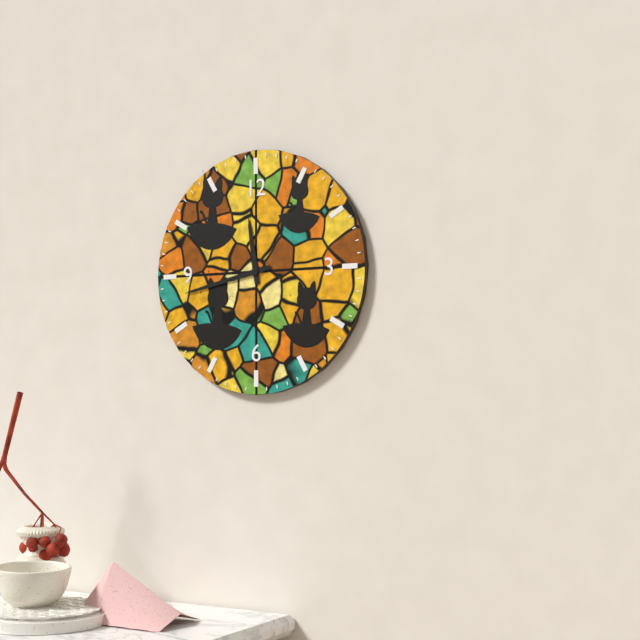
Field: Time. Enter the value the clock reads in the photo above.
11:43
